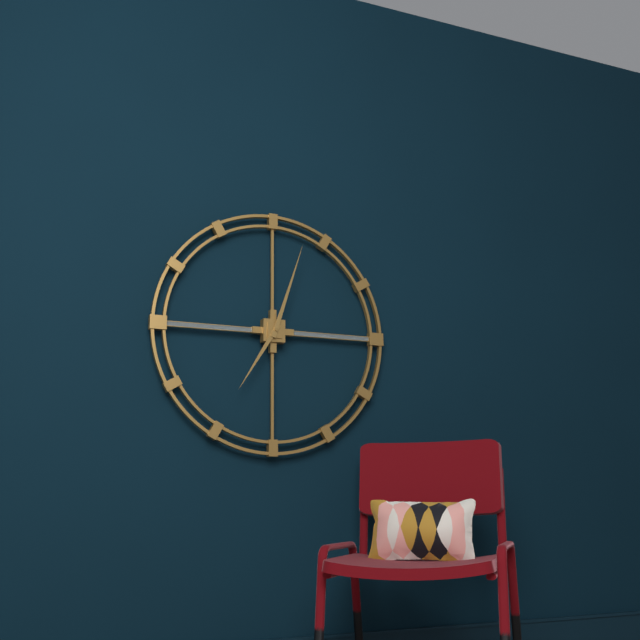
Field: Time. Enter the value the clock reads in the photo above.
7:03
